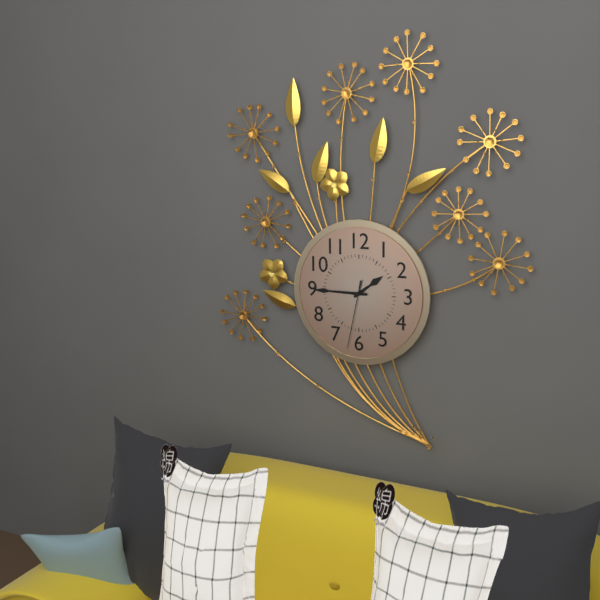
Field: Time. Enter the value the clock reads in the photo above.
1:45:32
